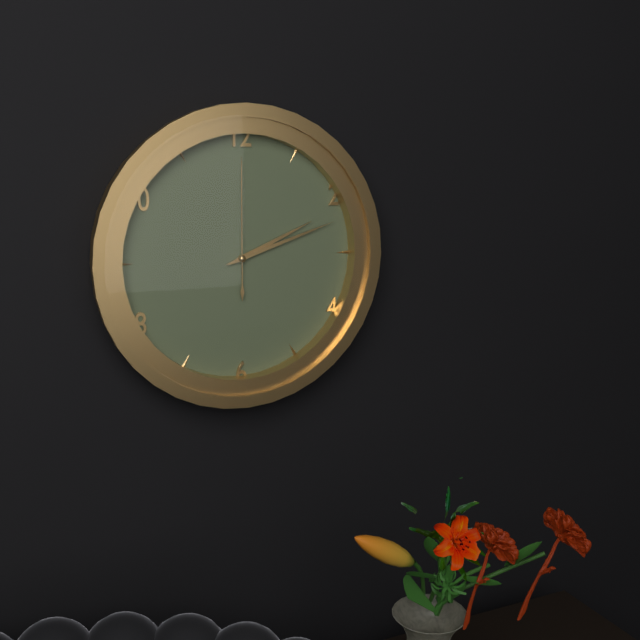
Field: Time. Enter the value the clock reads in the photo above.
2:12:00
